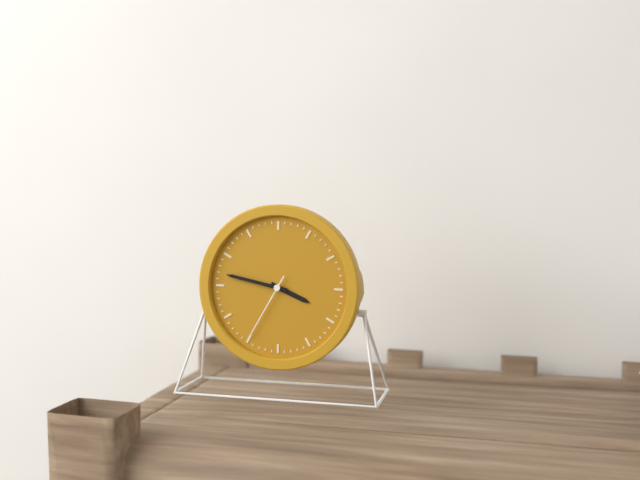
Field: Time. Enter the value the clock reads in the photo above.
3:47:35
